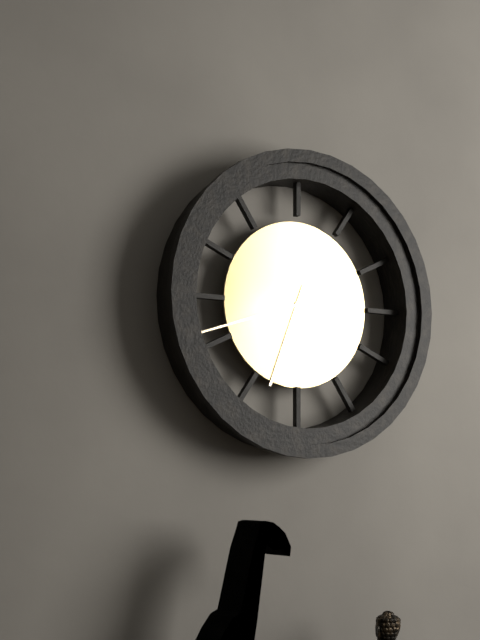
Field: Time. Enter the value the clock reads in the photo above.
6:42
